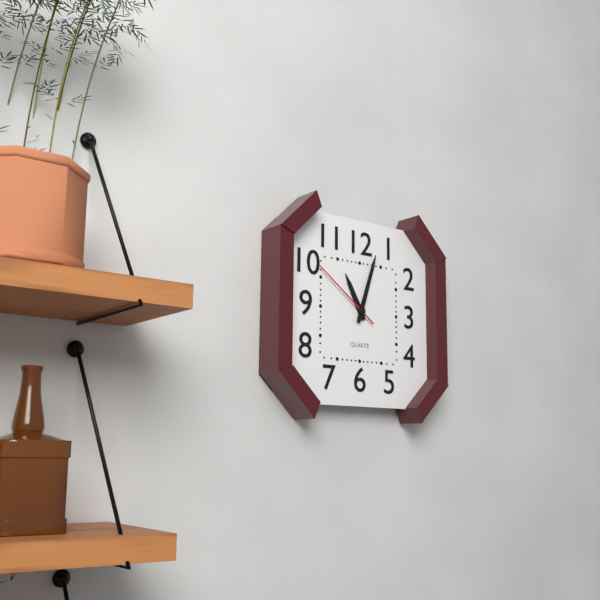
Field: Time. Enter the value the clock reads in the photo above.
11:03:51
